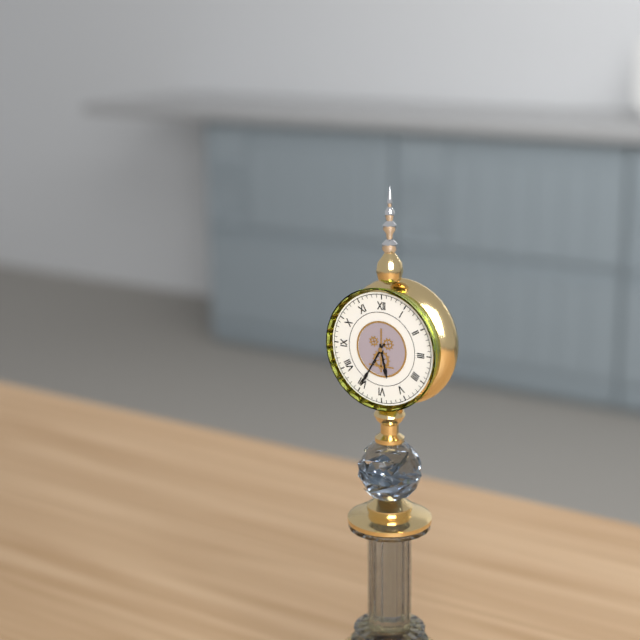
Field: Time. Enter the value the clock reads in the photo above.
5:35
